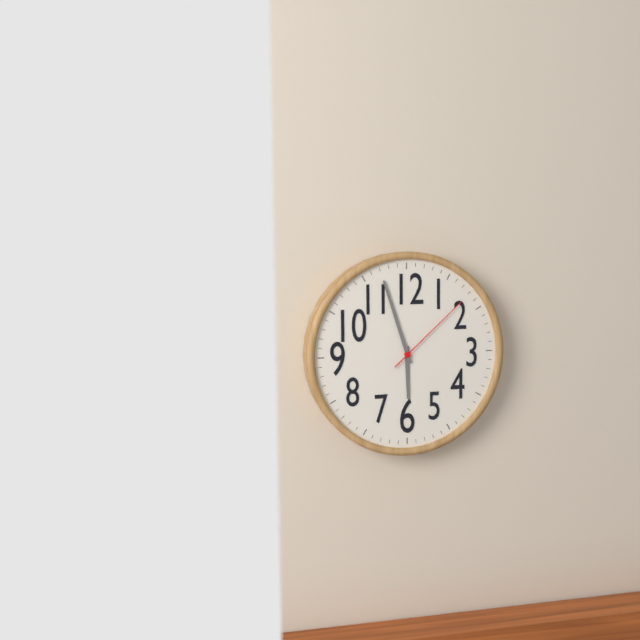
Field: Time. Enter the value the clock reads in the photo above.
5:57:08
